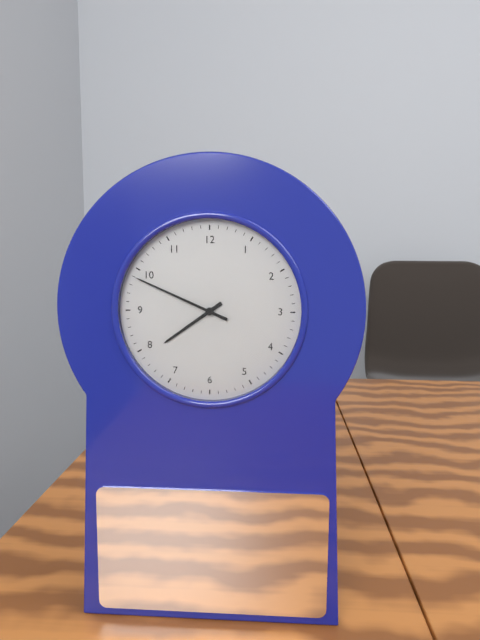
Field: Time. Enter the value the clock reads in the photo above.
7:49
